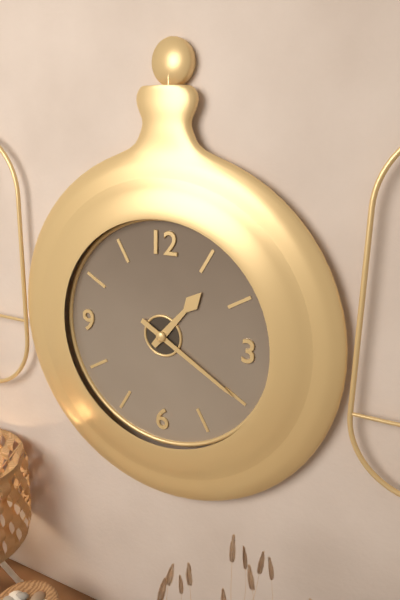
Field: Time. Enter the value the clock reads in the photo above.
1:20
